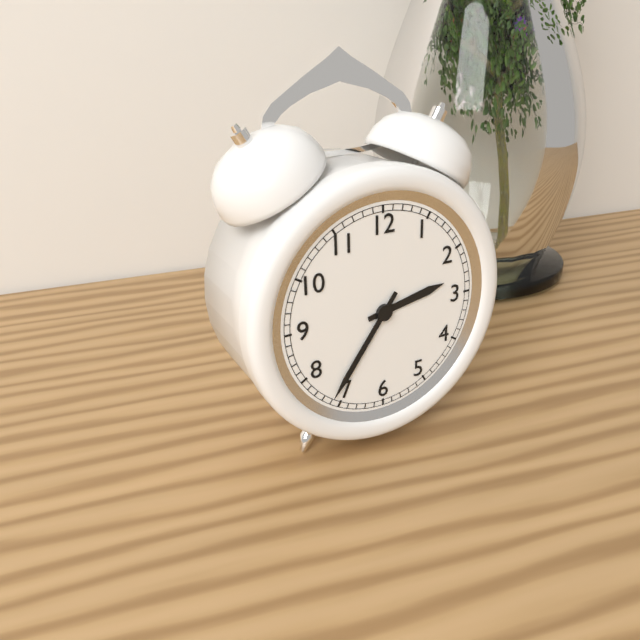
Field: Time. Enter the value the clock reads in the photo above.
2:36
